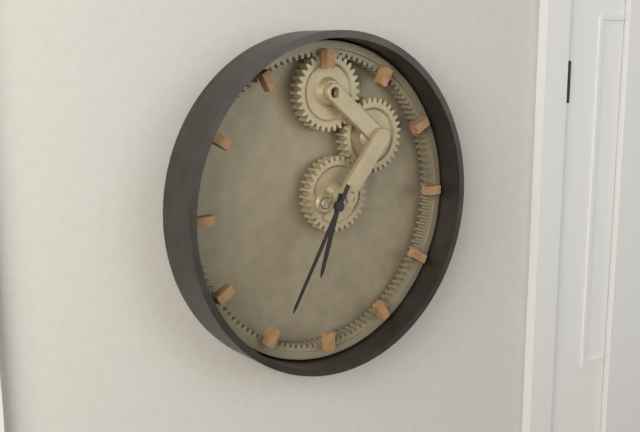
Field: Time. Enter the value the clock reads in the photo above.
6:35
